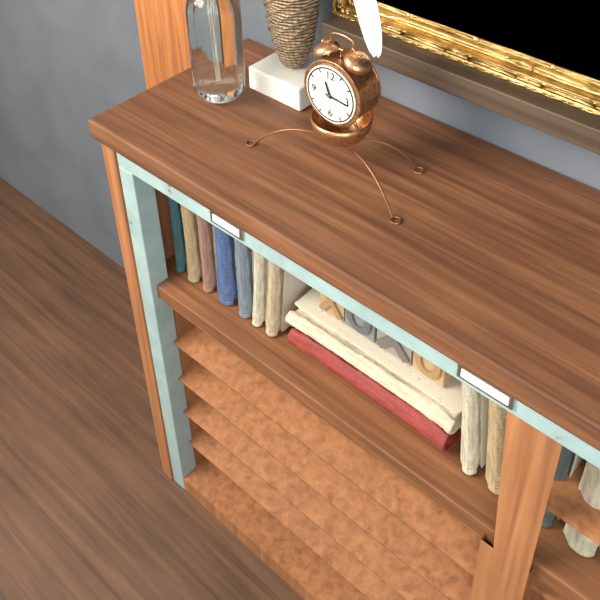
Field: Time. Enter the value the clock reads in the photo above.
11:16
